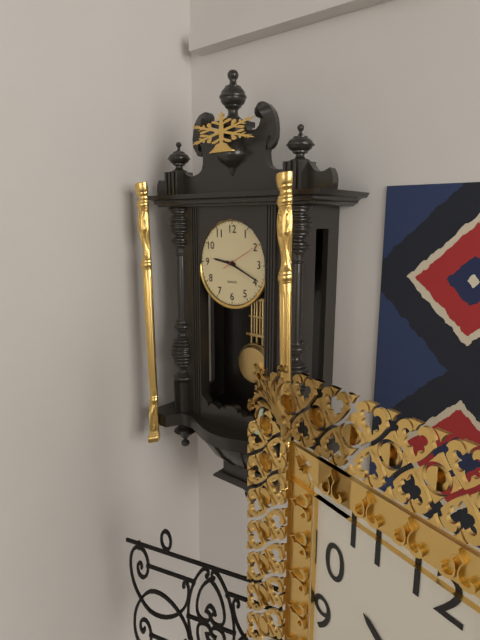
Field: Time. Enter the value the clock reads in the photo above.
9:19
